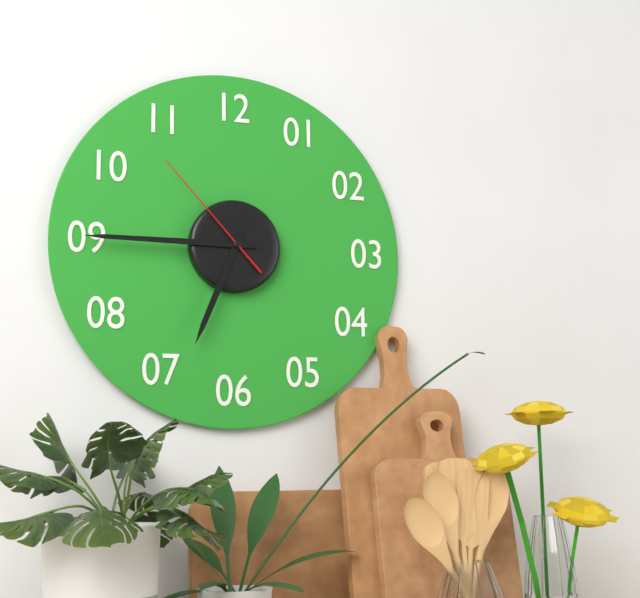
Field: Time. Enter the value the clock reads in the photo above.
6:45:53
